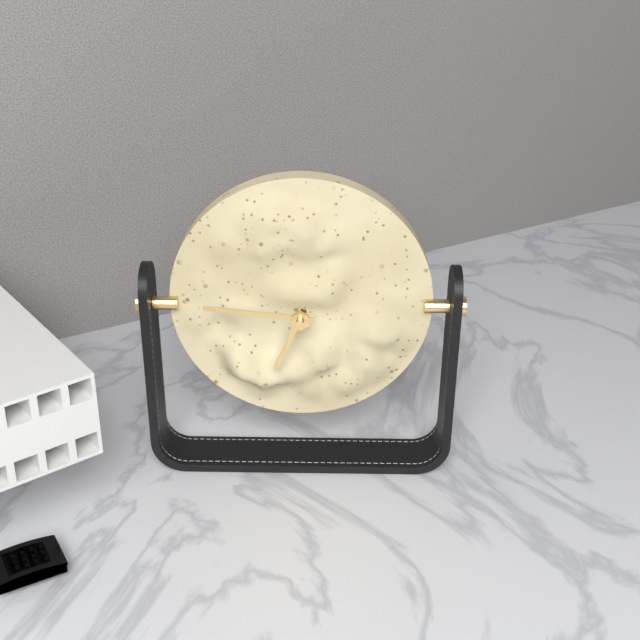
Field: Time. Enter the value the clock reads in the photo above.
6:46
